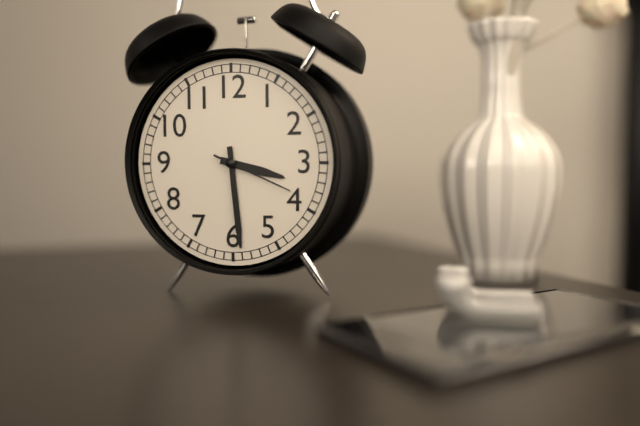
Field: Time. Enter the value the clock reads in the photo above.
3:29:19
